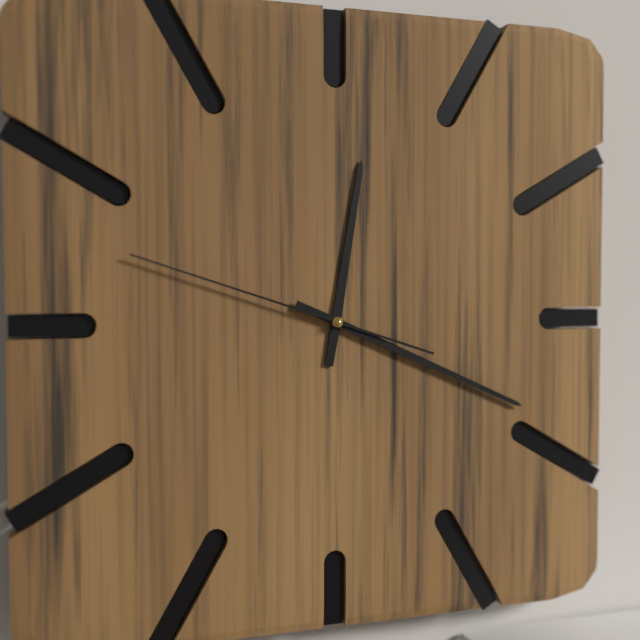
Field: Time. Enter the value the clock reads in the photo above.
12:19:48
